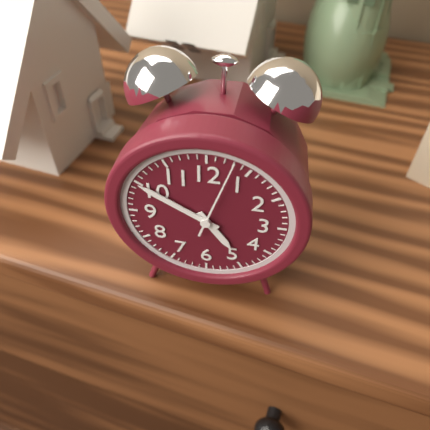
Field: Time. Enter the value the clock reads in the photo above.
4:50:03
